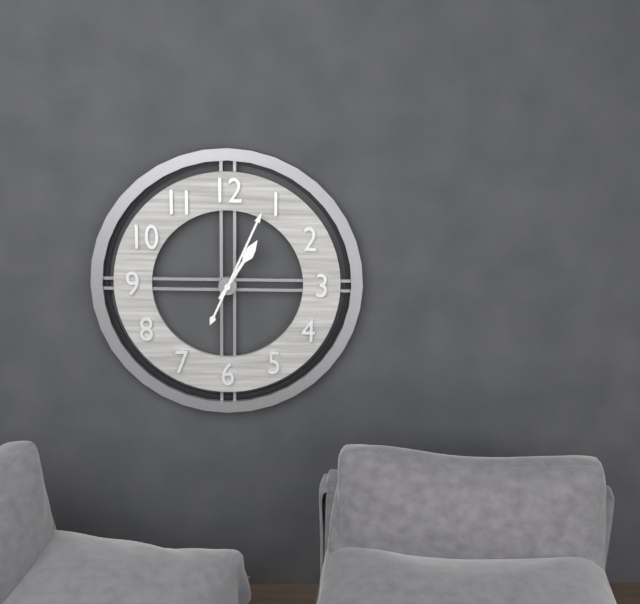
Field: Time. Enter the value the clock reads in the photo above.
1:04
